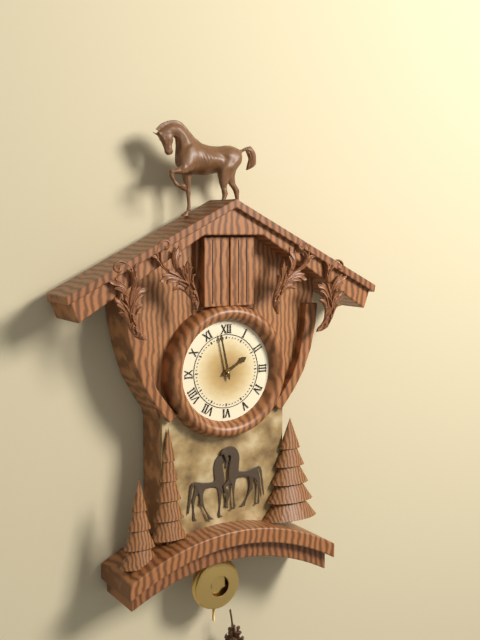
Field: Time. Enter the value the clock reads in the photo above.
1:58
